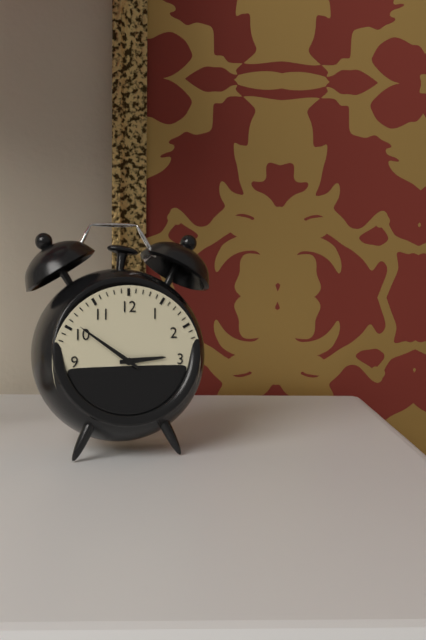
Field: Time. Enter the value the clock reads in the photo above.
2:51
